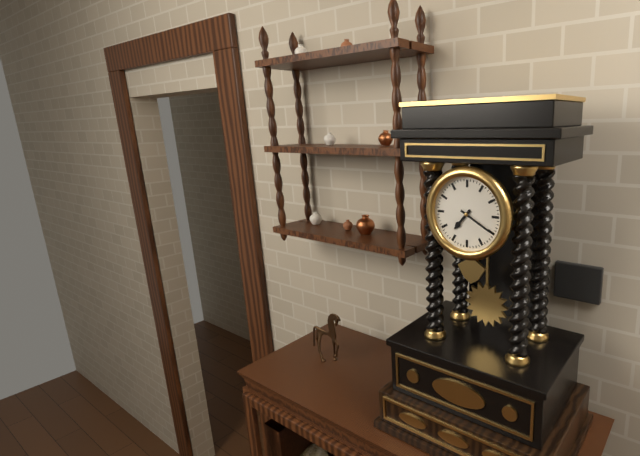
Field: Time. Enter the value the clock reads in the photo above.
7:20
